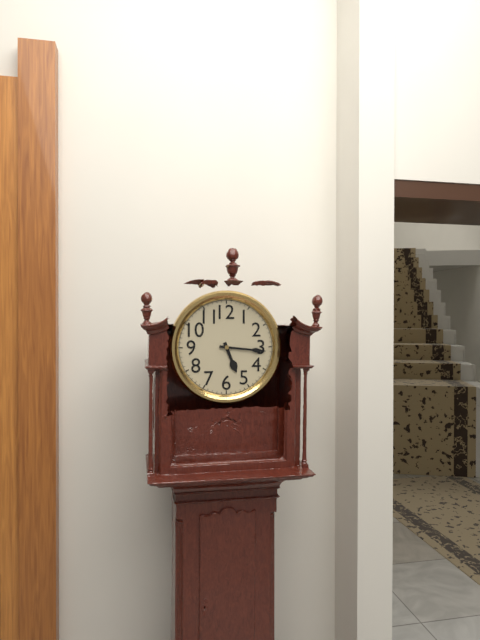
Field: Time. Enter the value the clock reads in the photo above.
5:16
